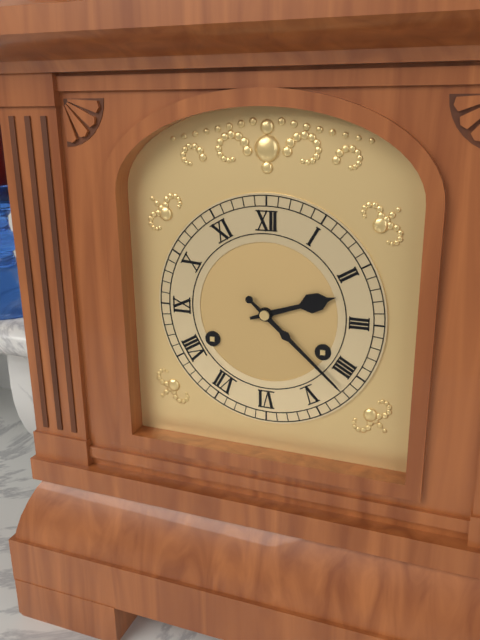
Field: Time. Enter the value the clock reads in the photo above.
2:22
